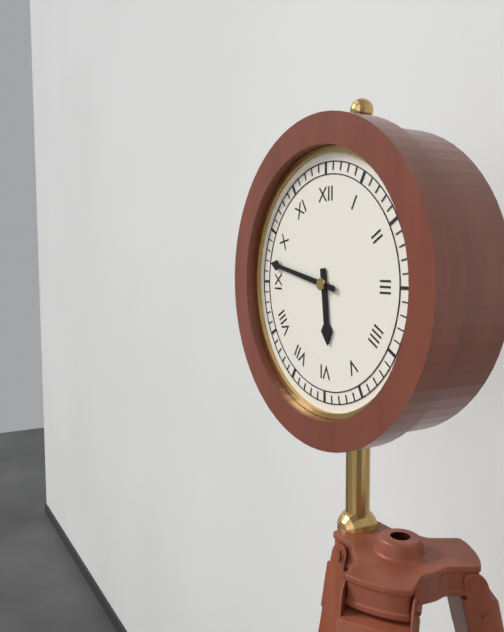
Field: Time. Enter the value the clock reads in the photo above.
5:47
